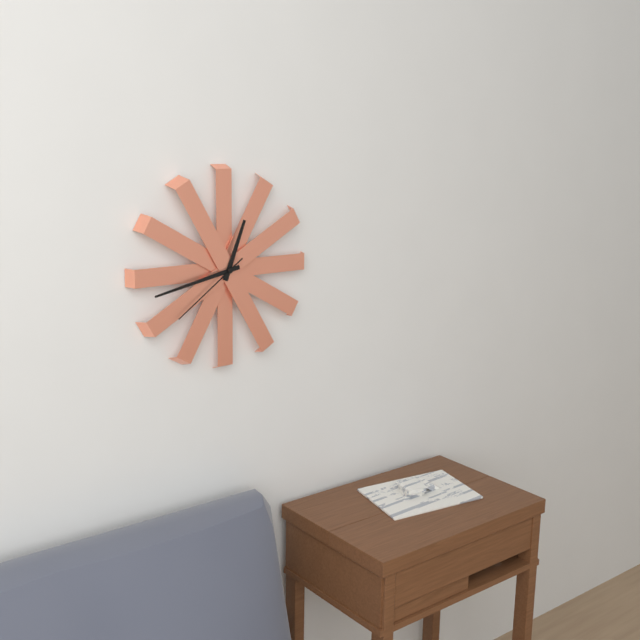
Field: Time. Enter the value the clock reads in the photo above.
12:43:39
